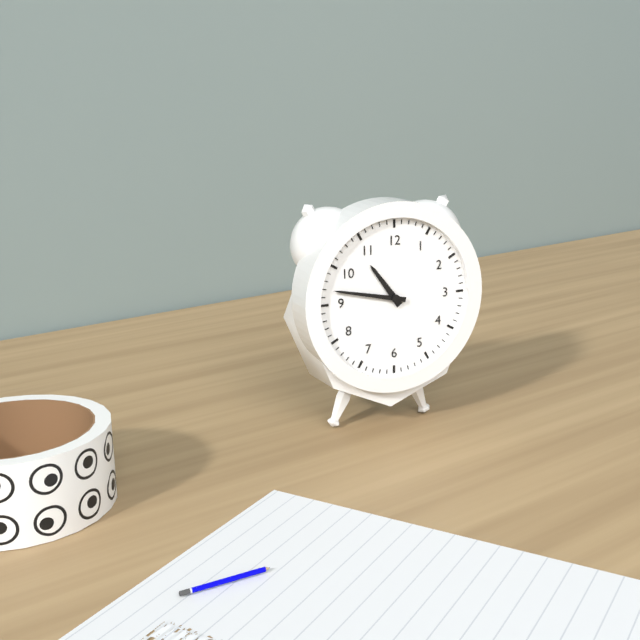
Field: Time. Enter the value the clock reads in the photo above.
10:47
